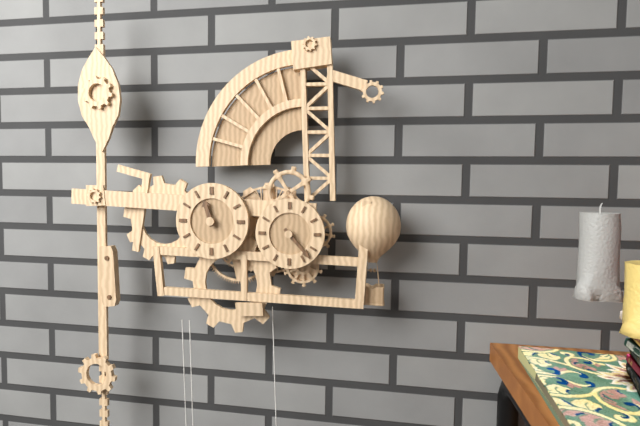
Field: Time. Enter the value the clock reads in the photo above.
11:23
